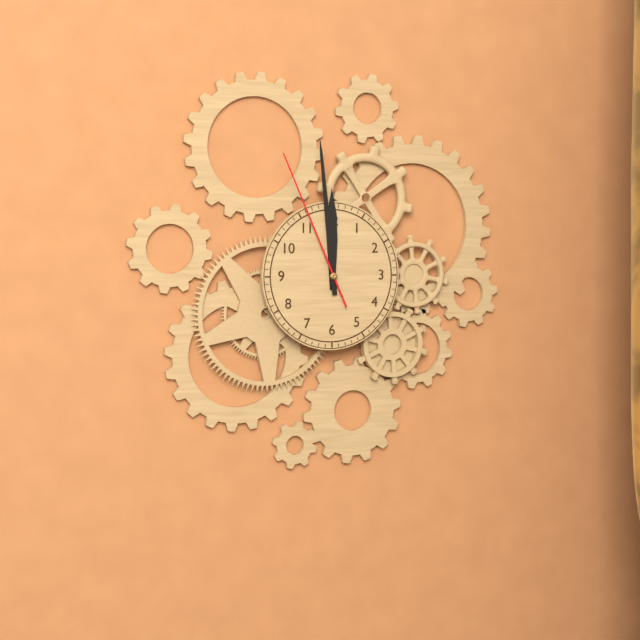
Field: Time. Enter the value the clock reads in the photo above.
11:59:56
